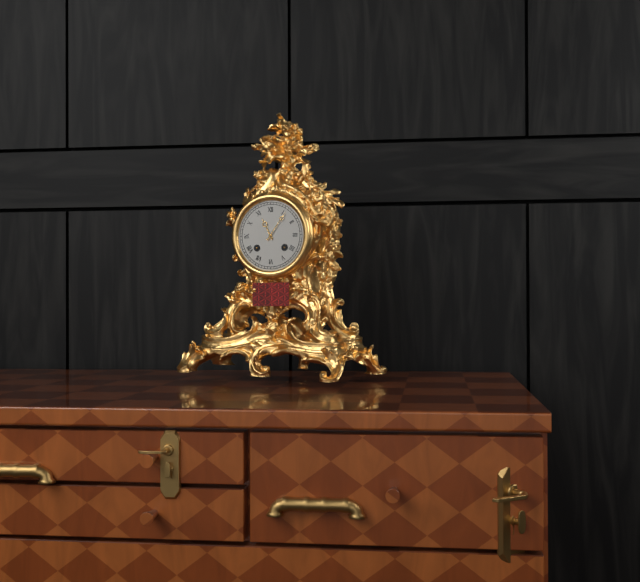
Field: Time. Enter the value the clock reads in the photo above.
11:06
